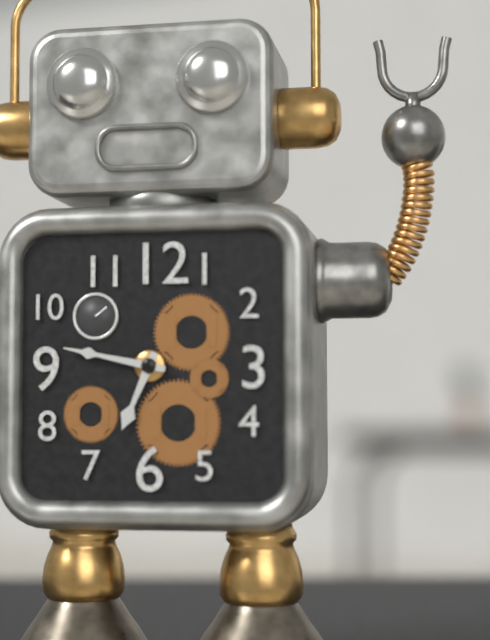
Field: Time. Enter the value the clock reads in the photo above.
6:47
